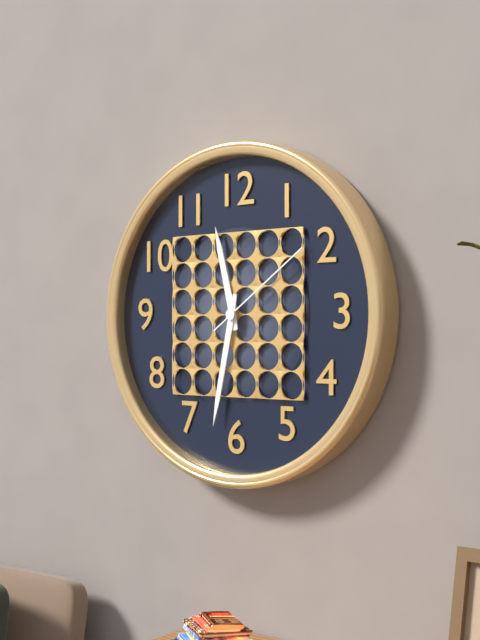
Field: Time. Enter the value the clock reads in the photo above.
11:32:09
